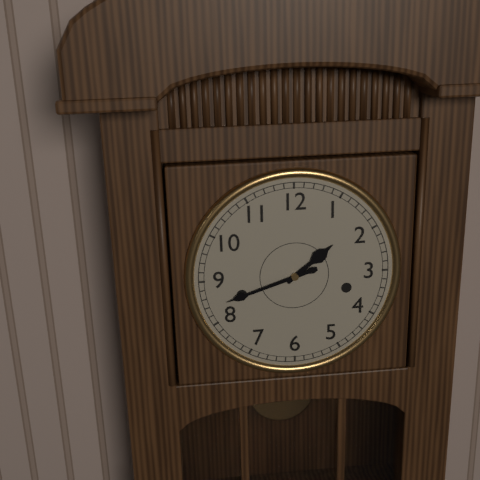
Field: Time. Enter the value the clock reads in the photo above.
1:42
